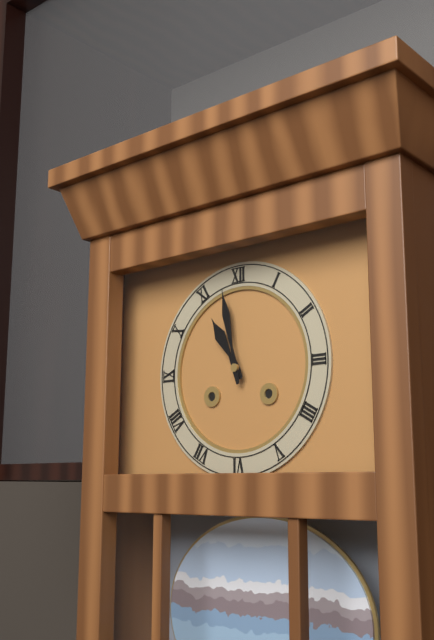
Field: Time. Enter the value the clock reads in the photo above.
10:58
